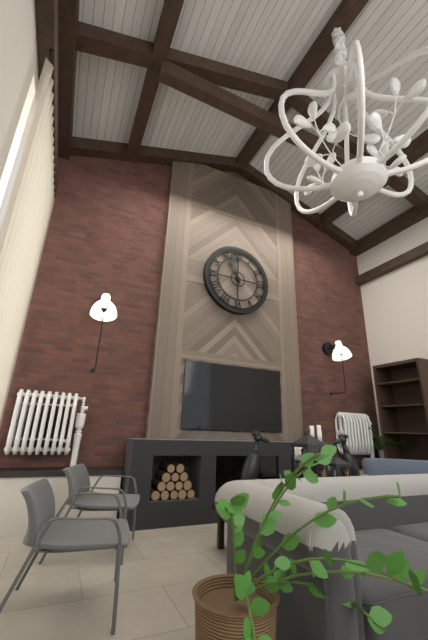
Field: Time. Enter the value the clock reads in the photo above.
10:57
